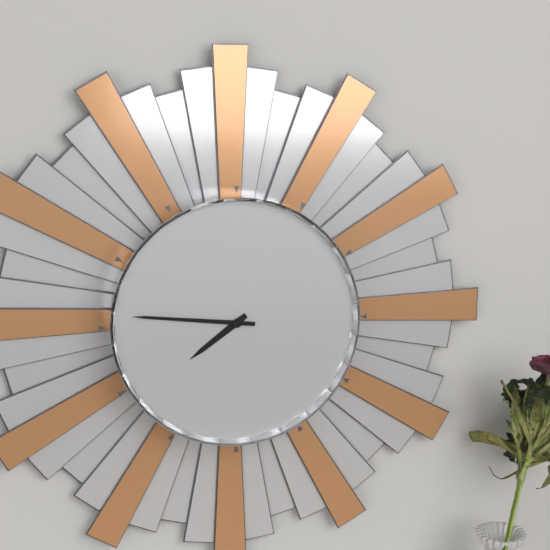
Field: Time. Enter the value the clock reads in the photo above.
7:46
